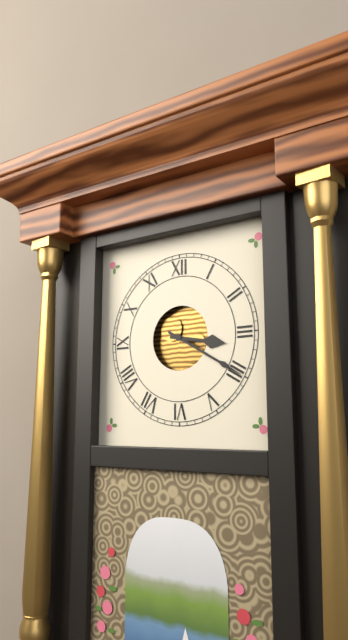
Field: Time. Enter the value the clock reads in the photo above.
3:20
